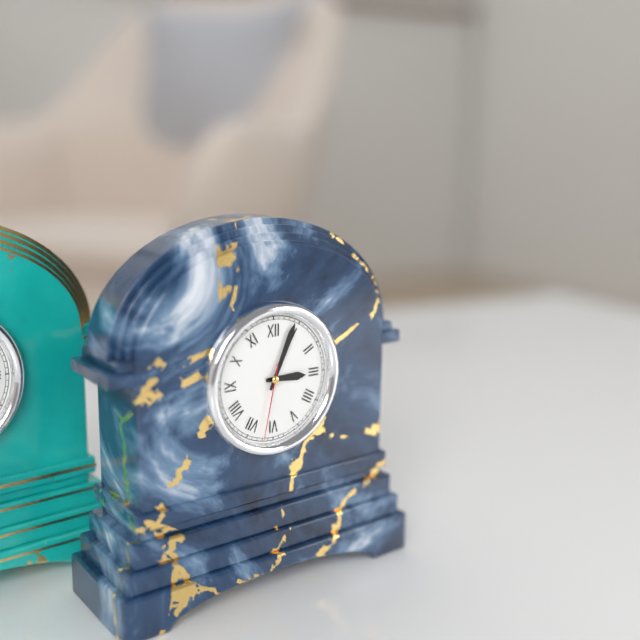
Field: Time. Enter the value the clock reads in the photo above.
3:04:32
